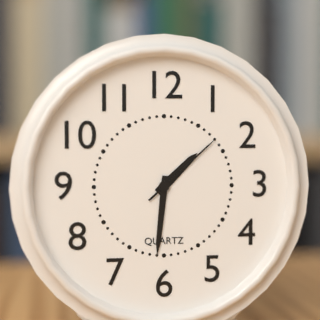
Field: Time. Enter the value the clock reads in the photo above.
1:31:08
